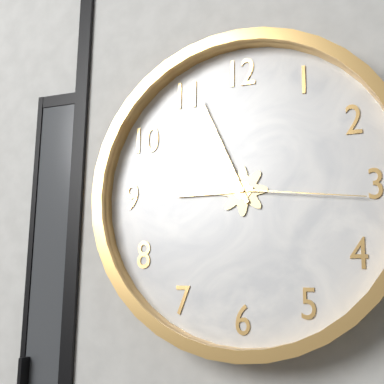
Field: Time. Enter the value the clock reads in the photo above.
8:56:16
